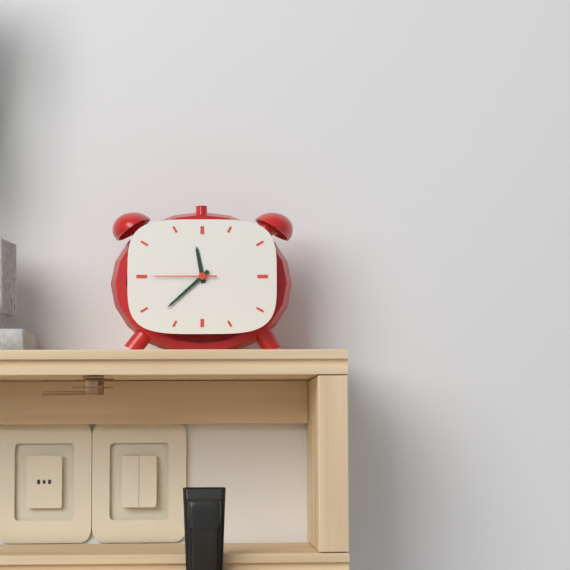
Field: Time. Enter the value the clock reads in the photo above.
11:38:45
